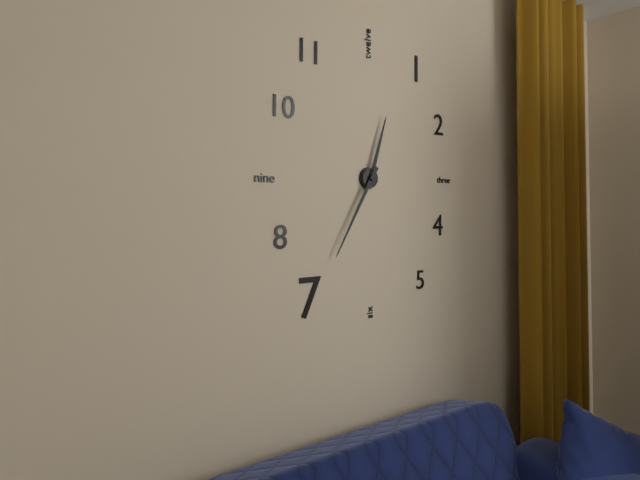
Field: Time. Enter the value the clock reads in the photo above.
12:35
